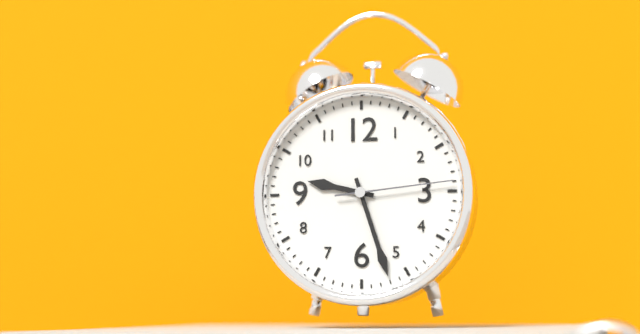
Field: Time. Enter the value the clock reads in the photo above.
9:27:14
